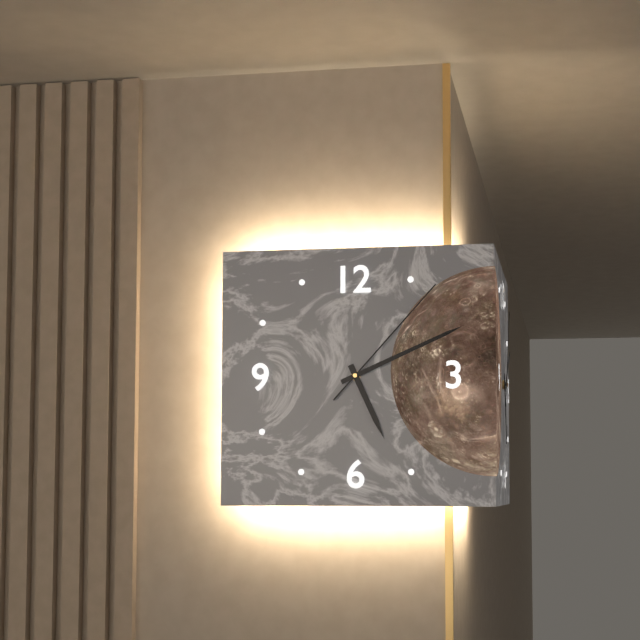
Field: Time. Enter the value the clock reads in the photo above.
5:11:07
